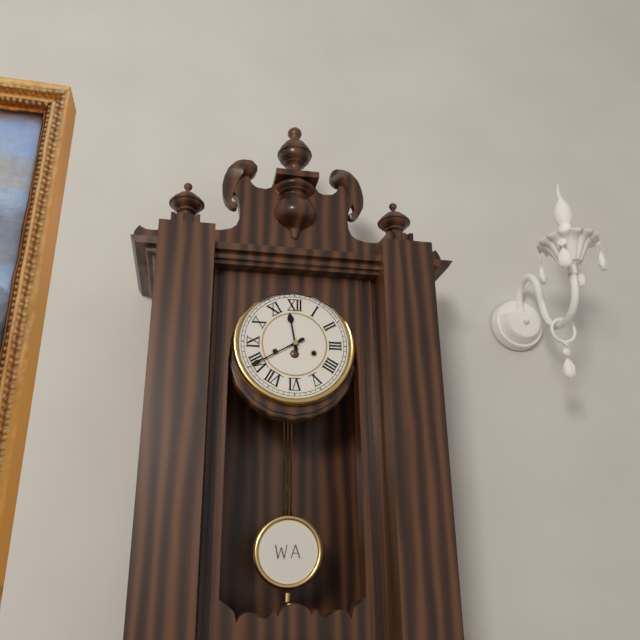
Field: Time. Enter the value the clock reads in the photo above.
11:40
